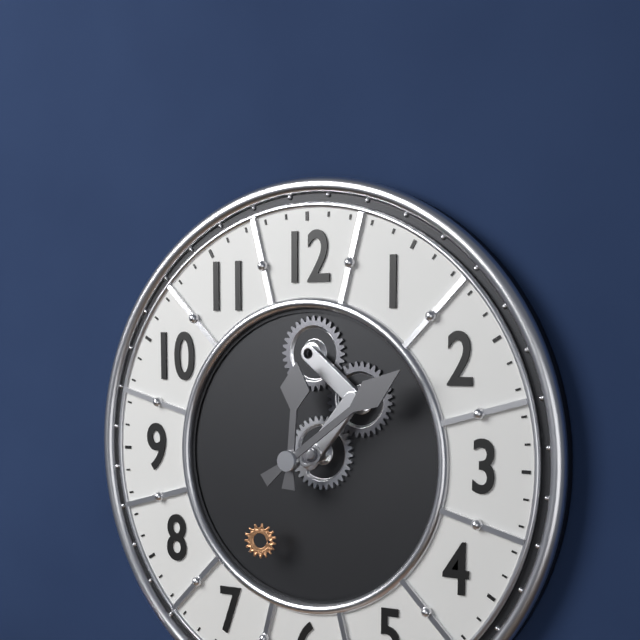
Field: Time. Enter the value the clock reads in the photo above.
12:09
